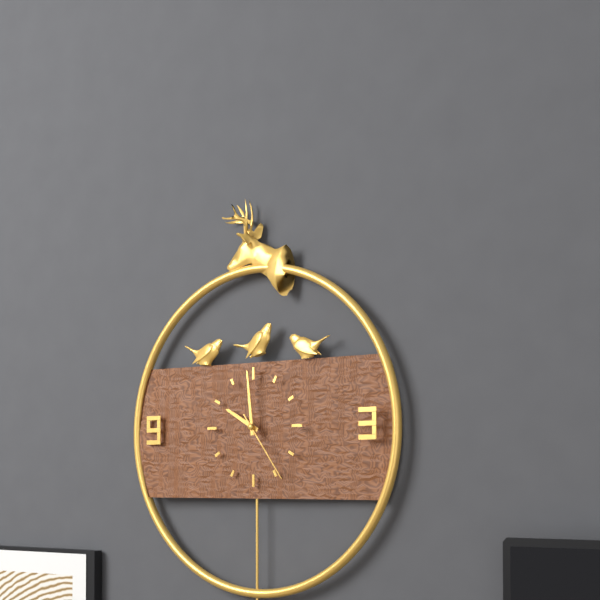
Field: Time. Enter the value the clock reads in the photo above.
9:59:24
